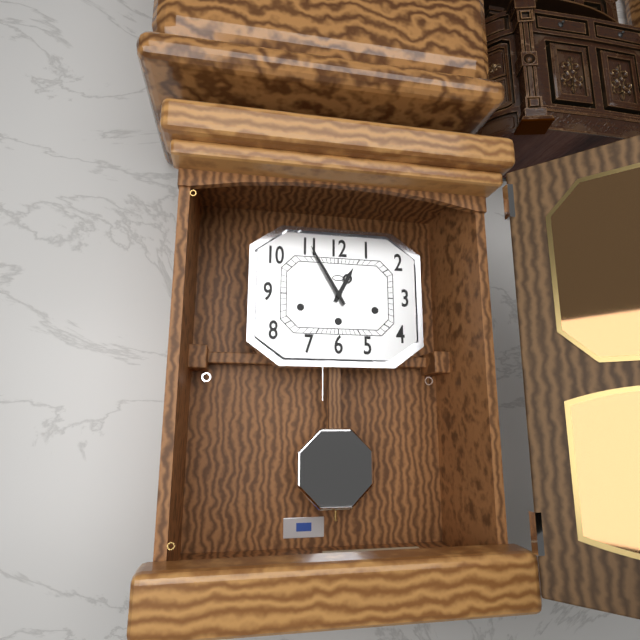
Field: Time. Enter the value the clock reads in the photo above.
12:55
